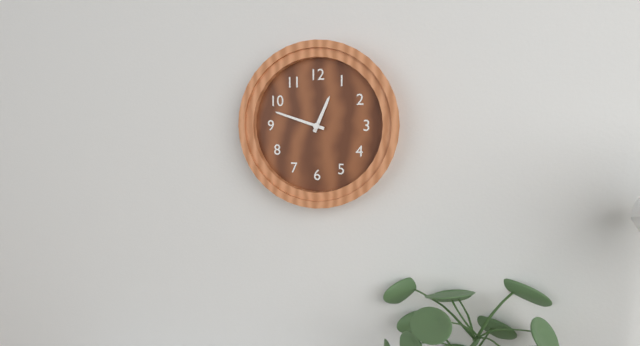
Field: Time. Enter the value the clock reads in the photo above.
12:48
